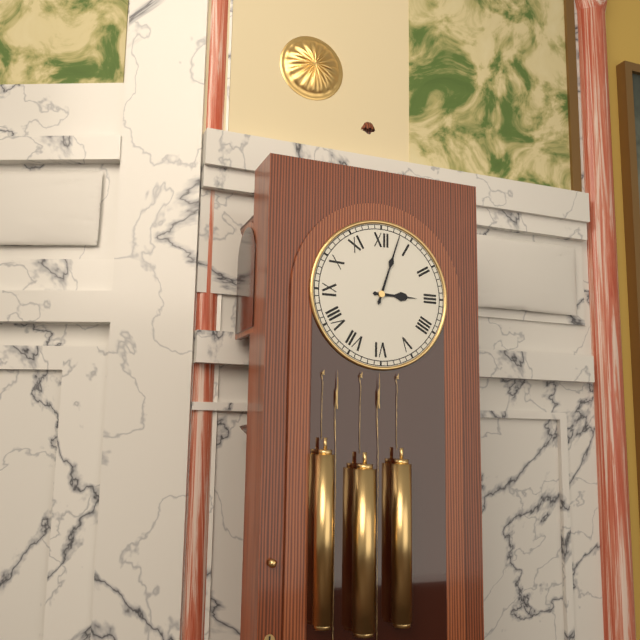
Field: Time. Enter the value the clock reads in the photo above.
3:03
